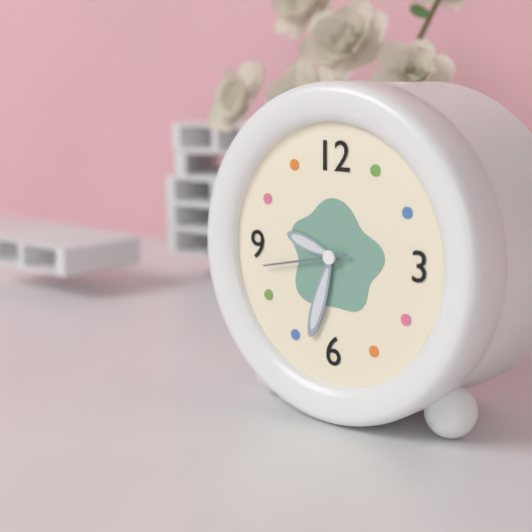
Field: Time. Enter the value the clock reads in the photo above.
9:33:43
